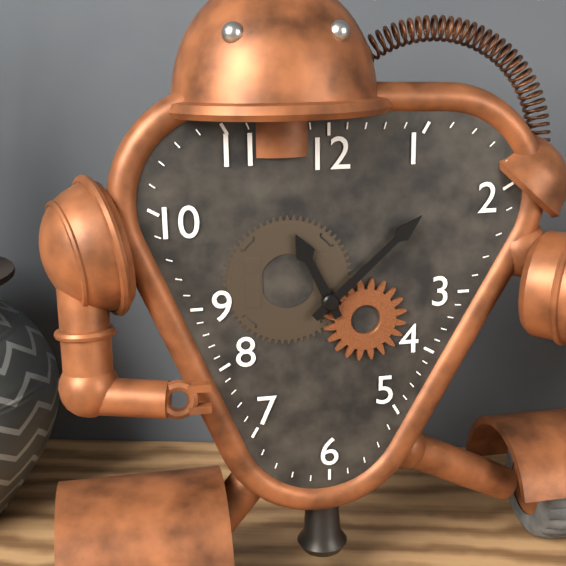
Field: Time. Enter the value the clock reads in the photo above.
11:08
